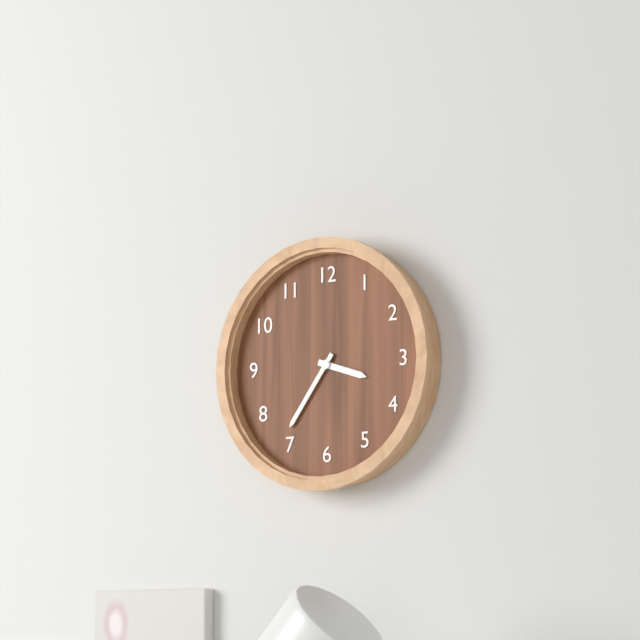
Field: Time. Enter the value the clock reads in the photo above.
3:36
